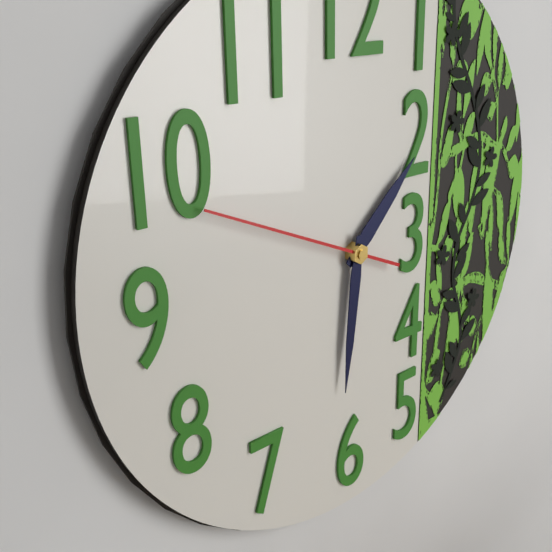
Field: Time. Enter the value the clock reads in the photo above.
1:31:49
